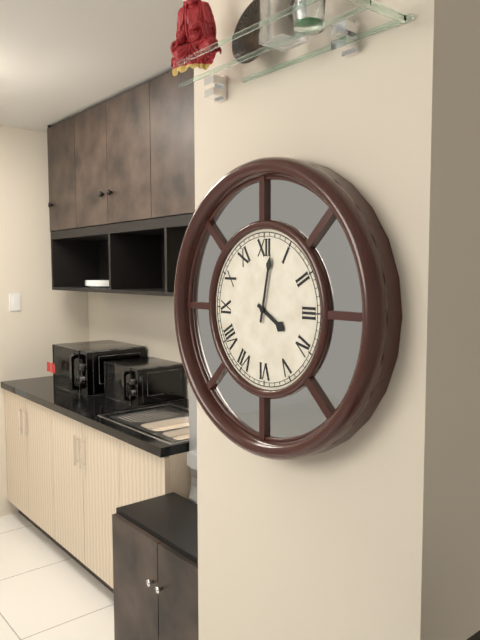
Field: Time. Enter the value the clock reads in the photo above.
4:02
